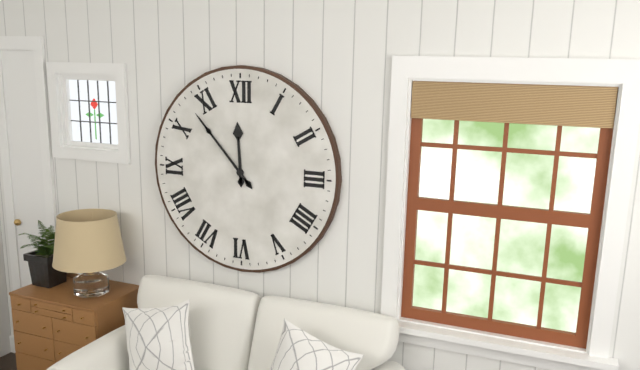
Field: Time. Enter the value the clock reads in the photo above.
11:53
